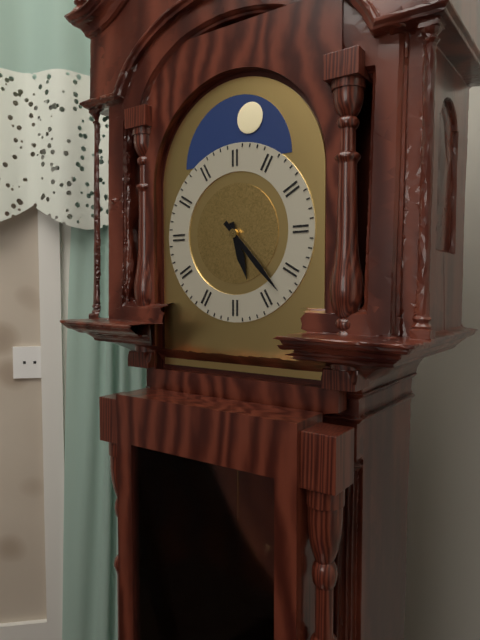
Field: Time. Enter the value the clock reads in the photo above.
5:23
